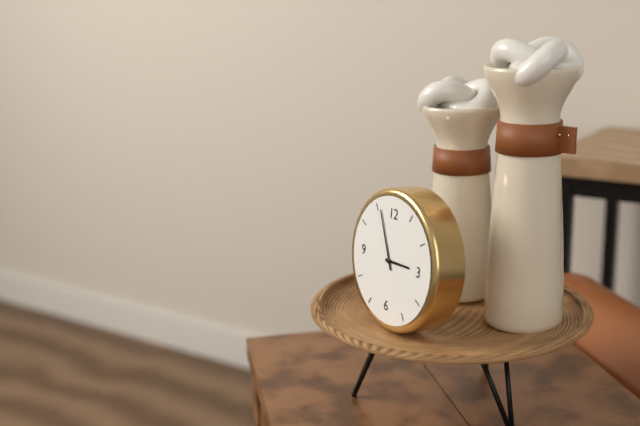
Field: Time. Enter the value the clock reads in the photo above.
2:56
